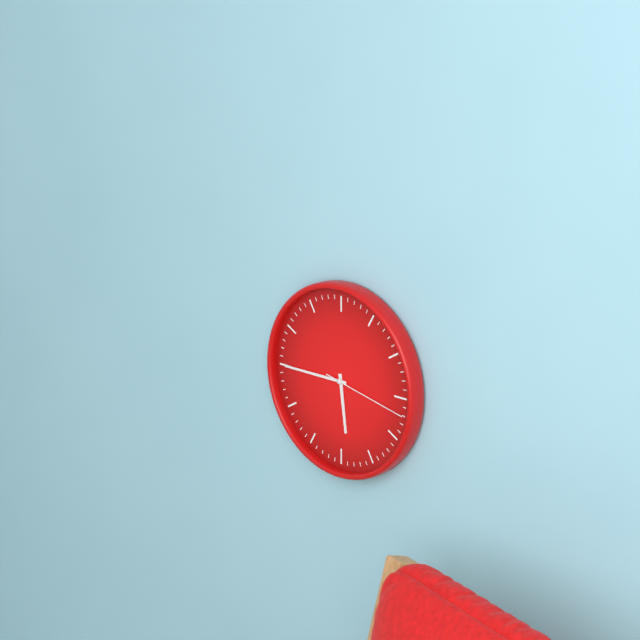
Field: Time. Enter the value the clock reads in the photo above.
5:45:17
